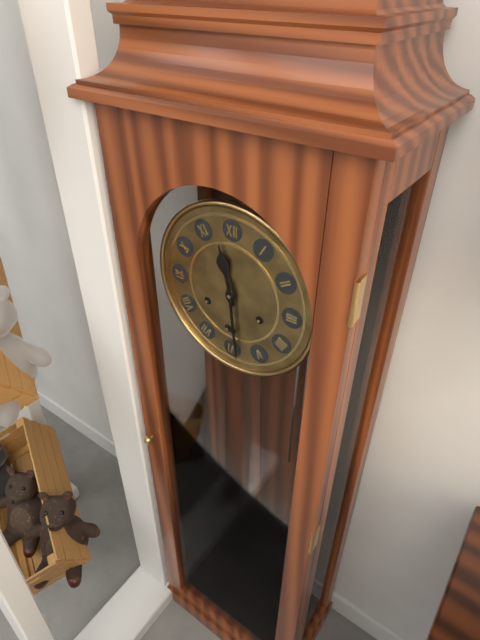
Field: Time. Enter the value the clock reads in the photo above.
11:29
